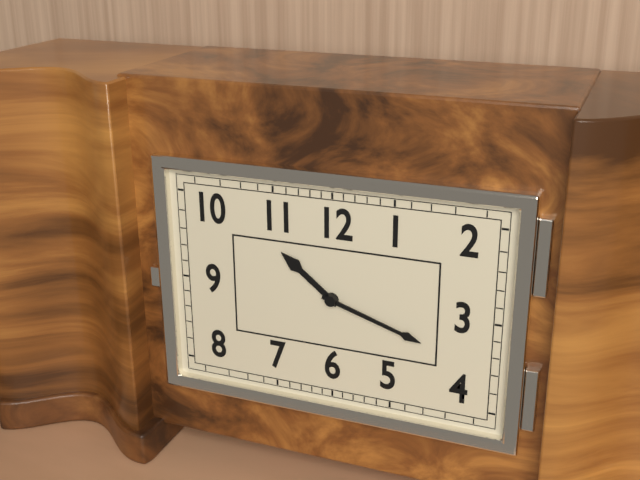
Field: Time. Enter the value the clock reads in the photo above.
10:18
